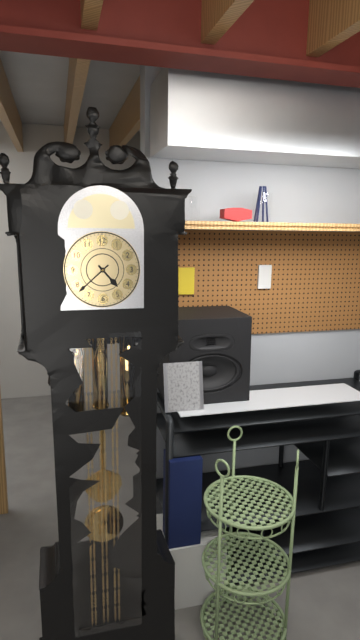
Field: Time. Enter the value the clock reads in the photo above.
4:38
